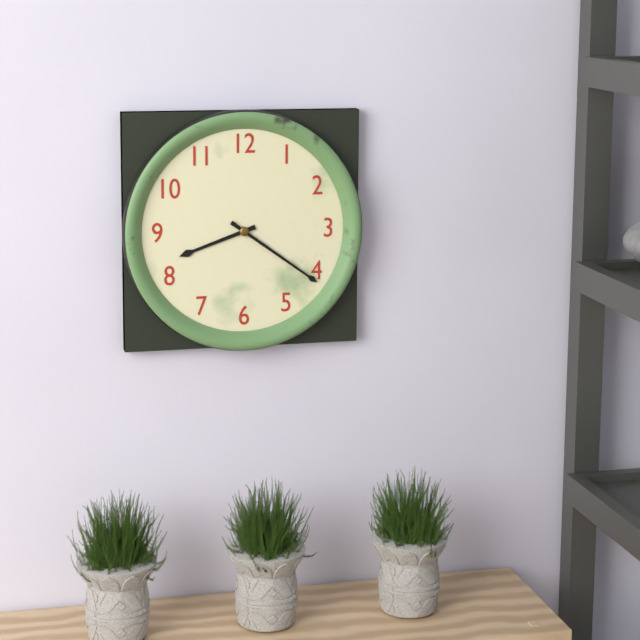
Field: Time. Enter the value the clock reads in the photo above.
8:21
